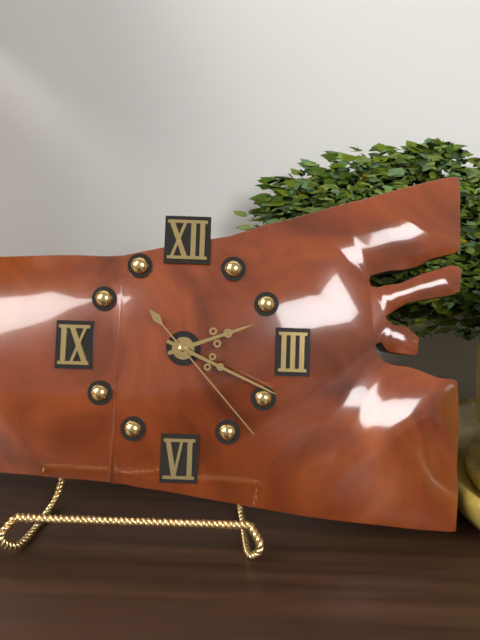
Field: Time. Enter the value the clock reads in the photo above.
2:19:23
